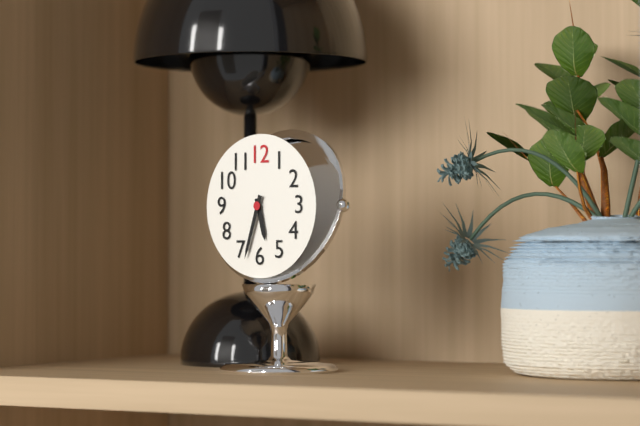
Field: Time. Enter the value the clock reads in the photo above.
5:33
